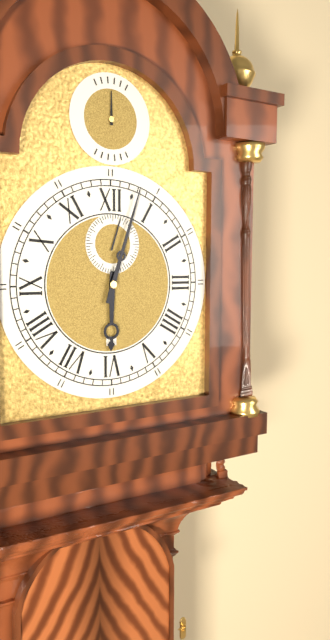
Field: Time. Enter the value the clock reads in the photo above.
6:03
